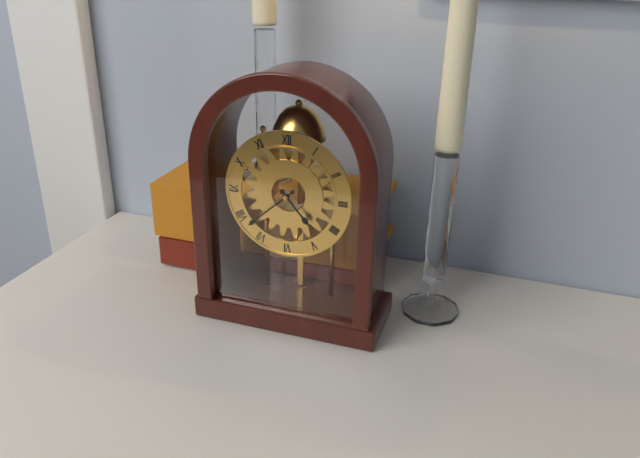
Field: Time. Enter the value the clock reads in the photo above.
4:38
